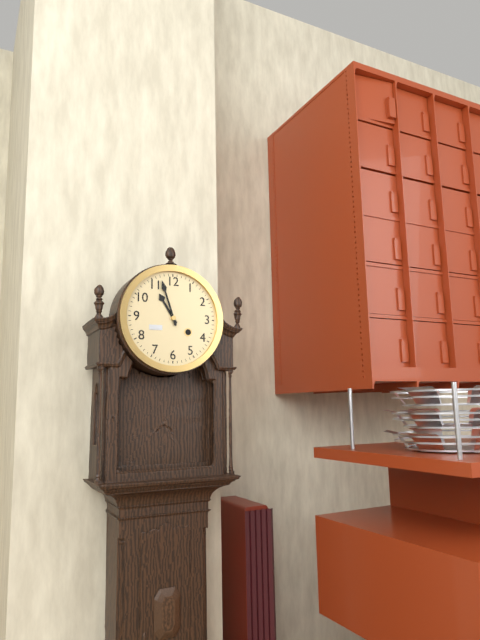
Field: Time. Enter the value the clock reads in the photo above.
10:57
